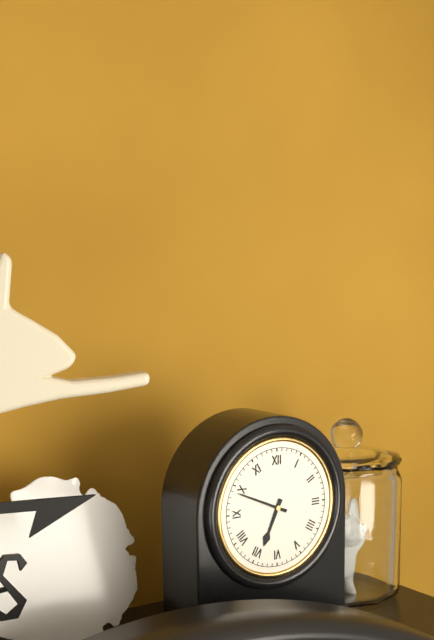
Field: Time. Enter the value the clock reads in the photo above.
6:49
